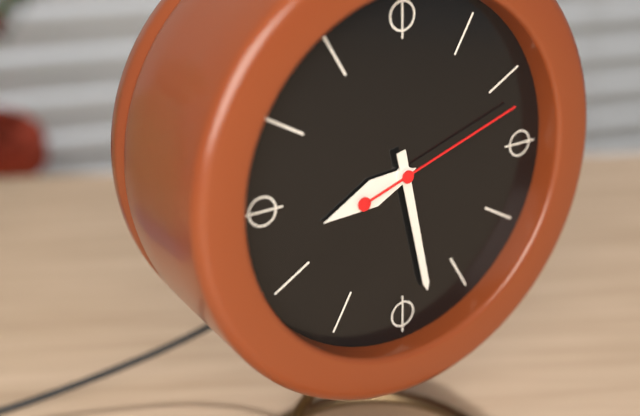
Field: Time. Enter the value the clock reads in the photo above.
8:28:12
